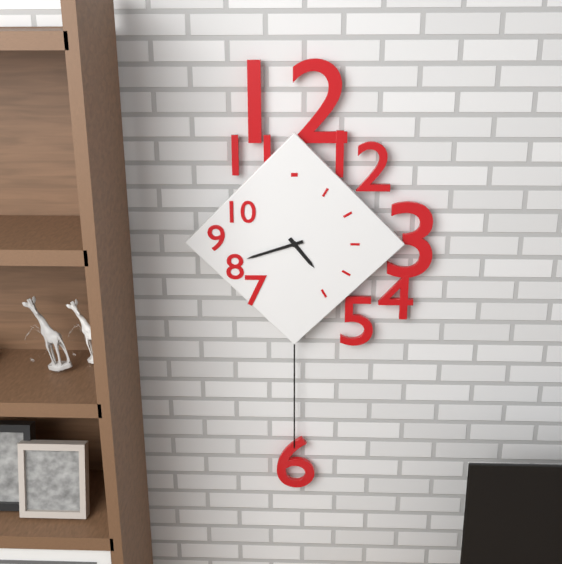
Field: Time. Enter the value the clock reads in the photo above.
4:42
